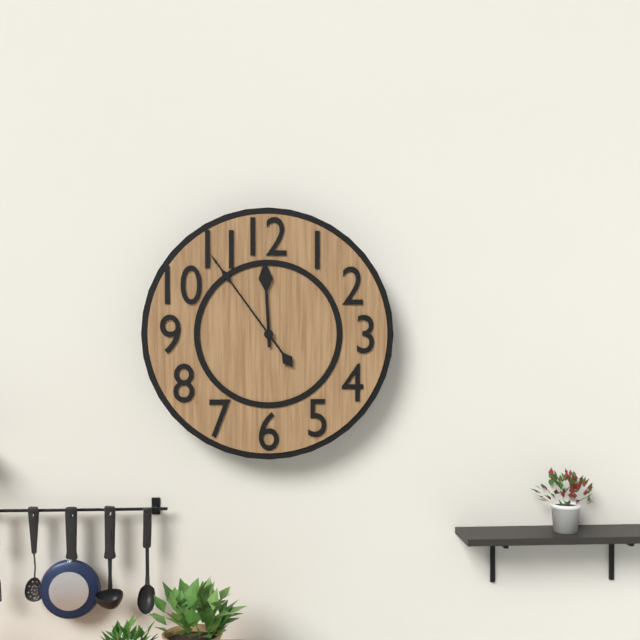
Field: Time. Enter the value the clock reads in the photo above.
11:54
